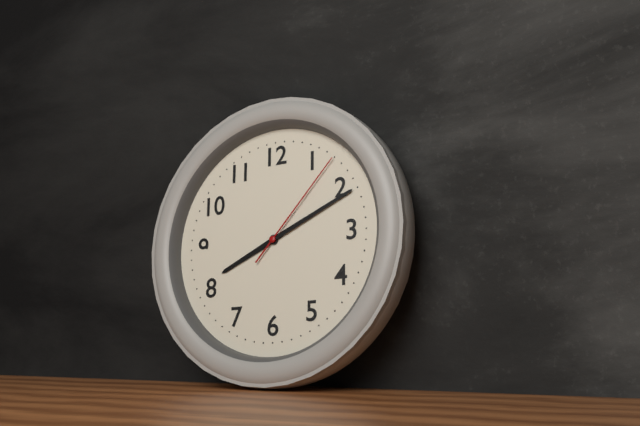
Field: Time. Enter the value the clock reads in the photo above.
8:11:07
